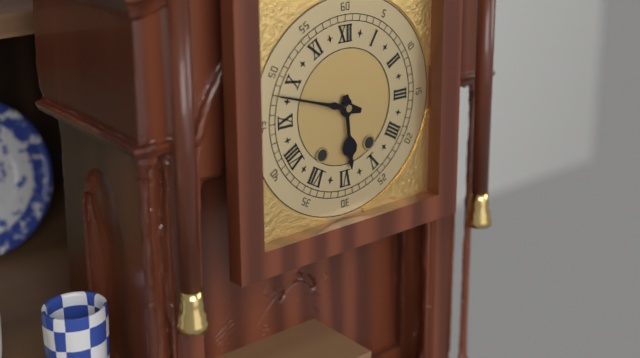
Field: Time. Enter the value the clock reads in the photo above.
5:48
